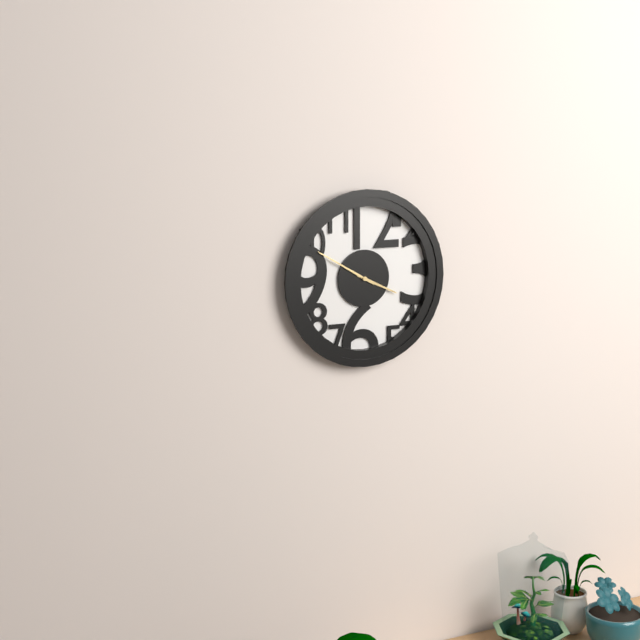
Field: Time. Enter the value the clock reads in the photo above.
3:50
